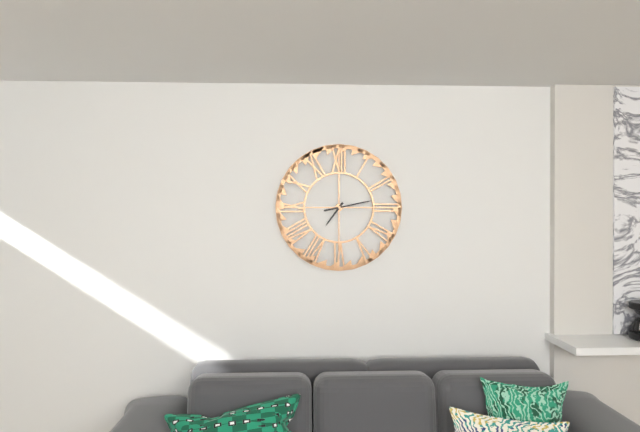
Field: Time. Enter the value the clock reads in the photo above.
7:13
